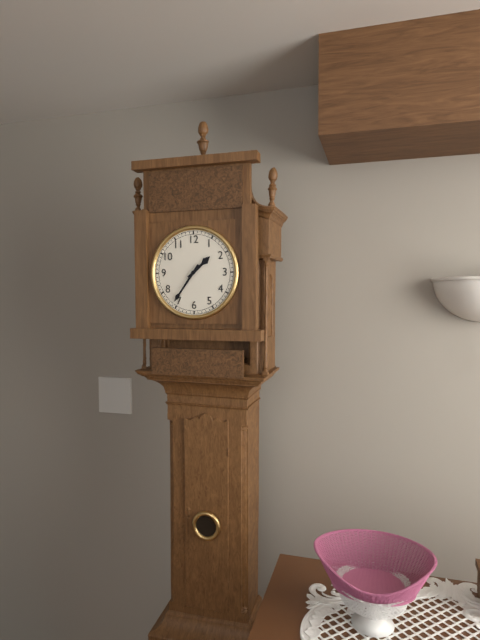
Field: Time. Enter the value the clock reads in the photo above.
1:36
